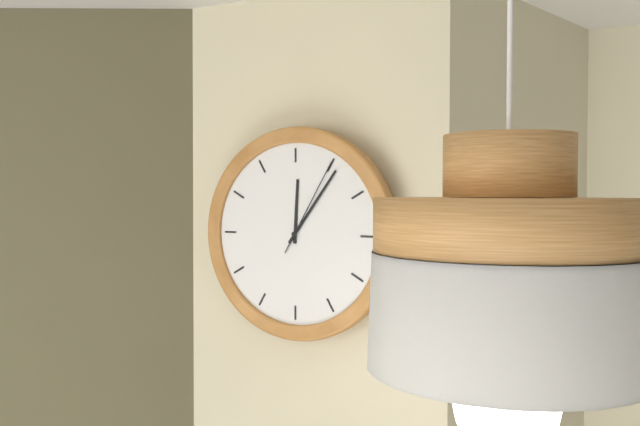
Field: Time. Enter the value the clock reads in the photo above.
12:06:05
